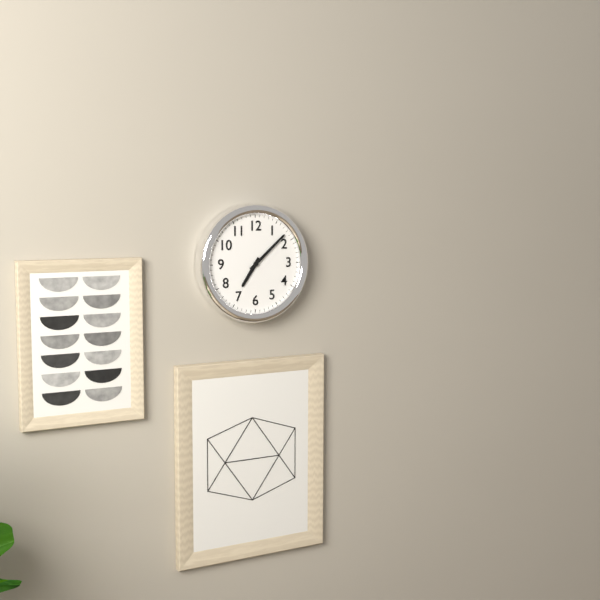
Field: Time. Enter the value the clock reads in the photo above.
7:08
